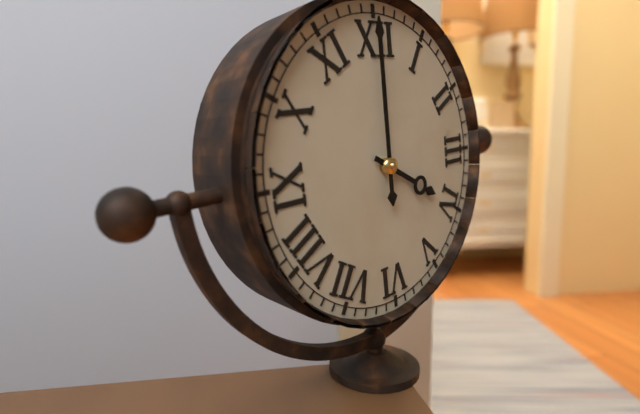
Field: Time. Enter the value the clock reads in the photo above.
4:00
